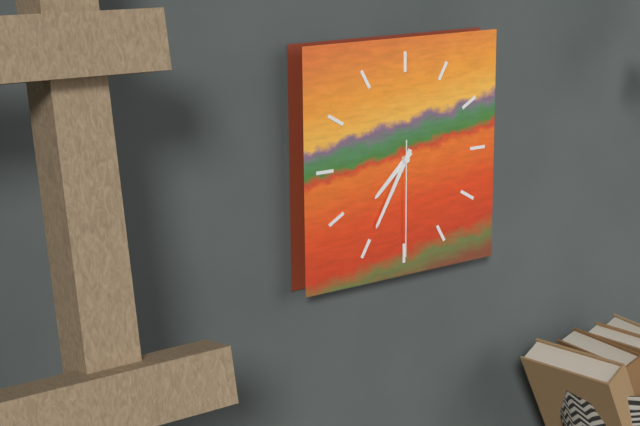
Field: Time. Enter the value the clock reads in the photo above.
7:35:30
